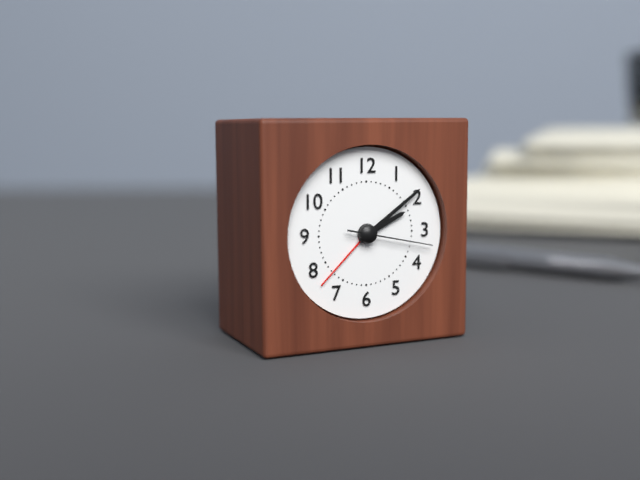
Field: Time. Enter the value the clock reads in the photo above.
2:09:17
